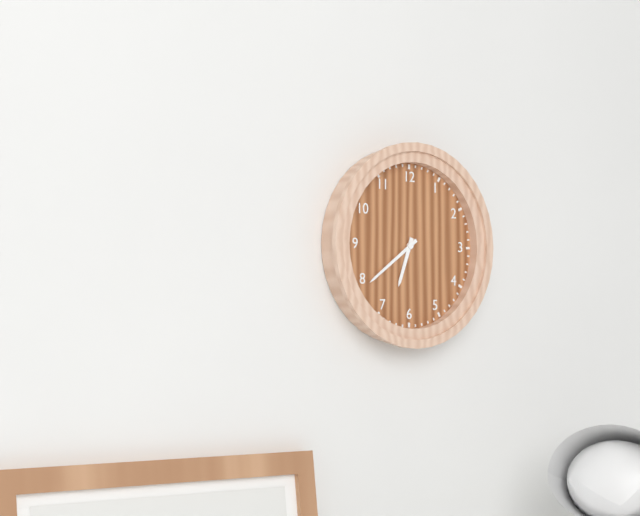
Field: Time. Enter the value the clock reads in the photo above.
6:39
